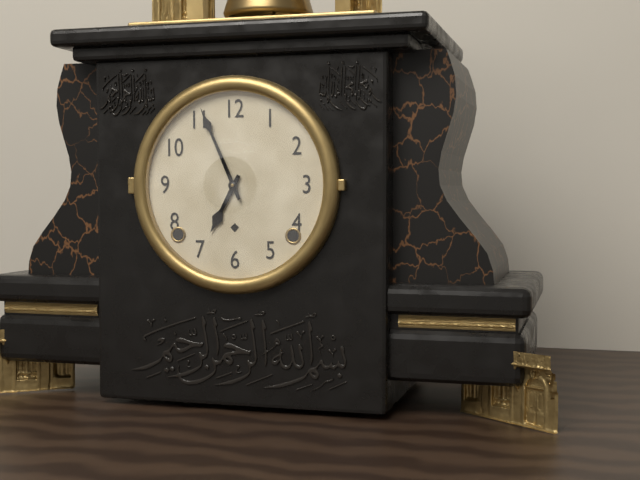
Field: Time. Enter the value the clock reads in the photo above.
6:56
